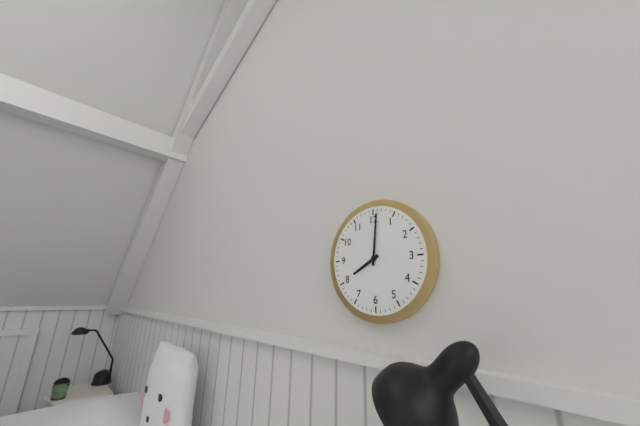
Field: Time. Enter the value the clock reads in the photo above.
8:01
